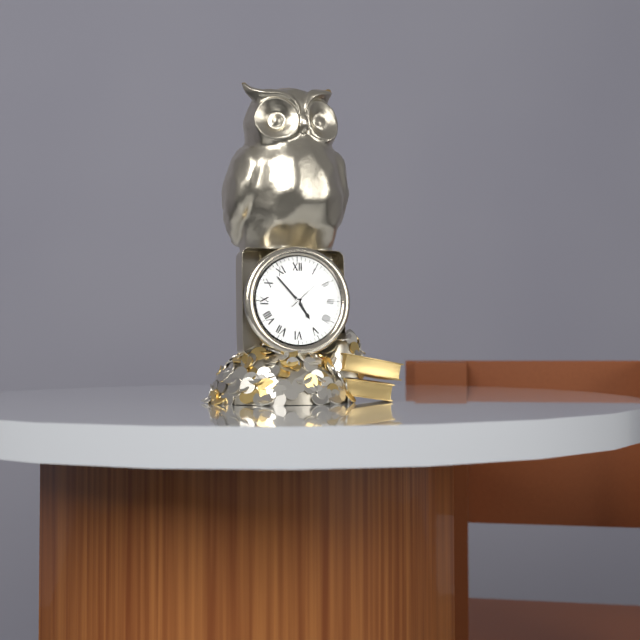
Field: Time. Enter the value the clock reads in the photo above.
4:53:08
